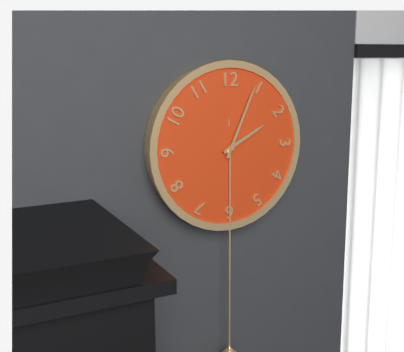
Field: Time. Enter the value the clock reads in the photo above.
2:04
